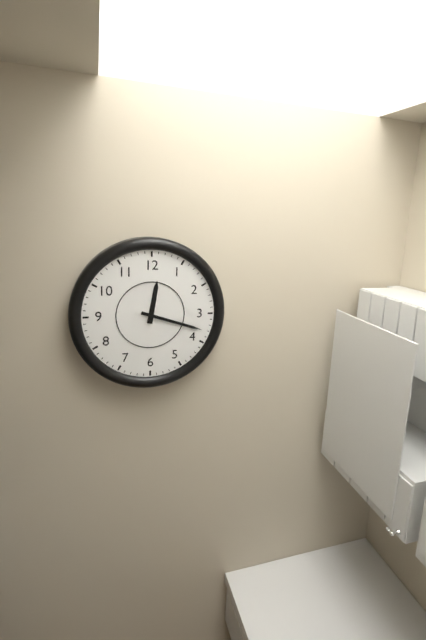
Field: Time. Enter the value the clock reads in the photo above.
12:18
